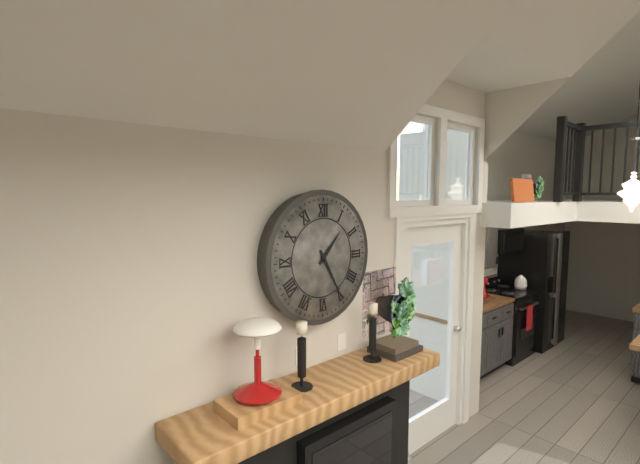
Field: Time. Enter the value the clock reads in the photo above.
1:25
